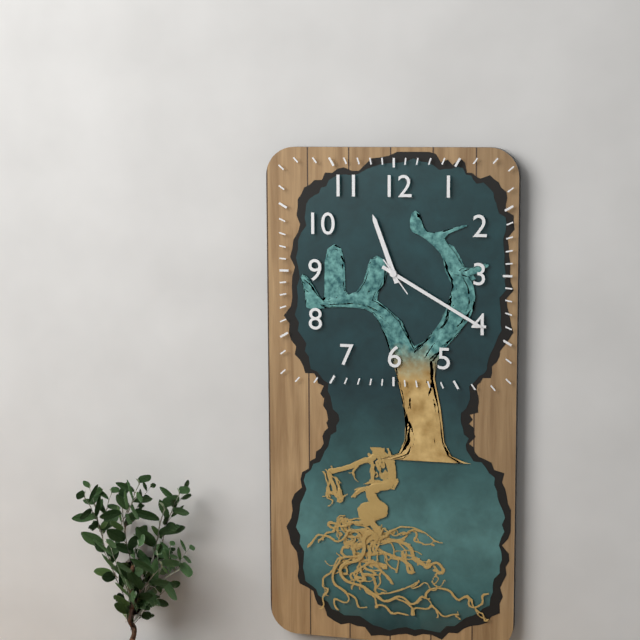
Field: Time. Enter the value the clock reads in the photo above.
11:20
